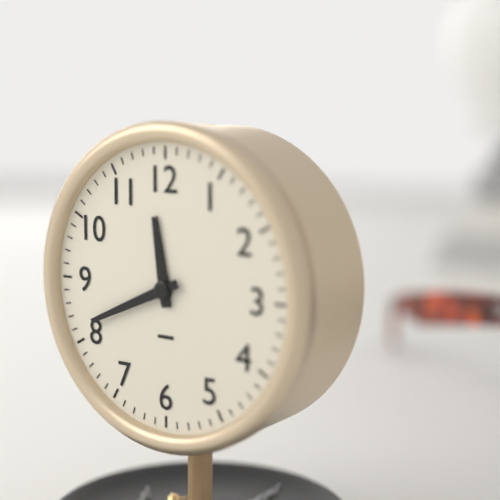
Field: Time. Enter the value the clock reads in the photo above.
11:41
